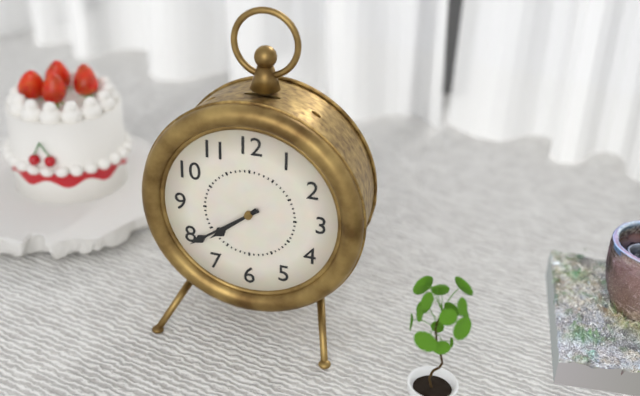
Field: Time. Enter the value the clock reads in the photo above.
7:39
